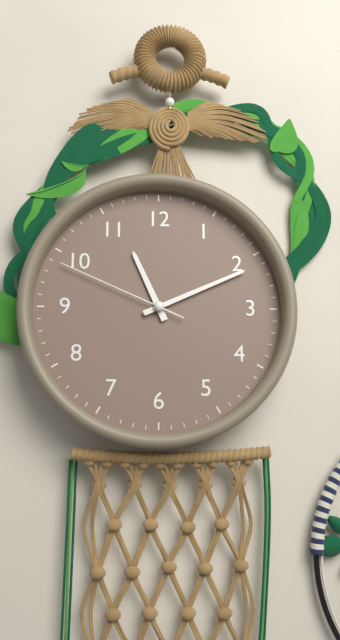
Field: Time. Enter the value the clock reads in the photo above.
11:11:49
